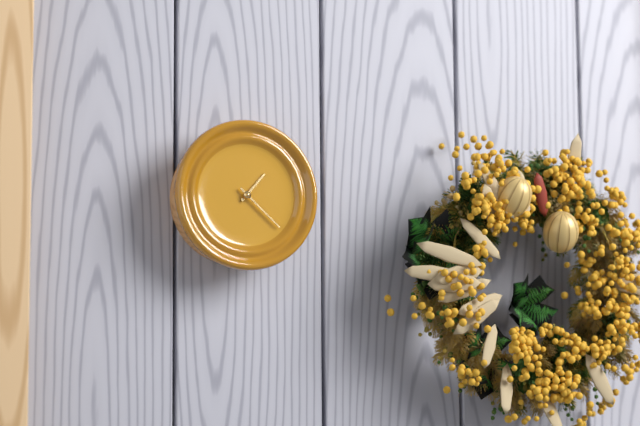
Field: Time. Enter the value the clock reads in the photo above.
1:22
